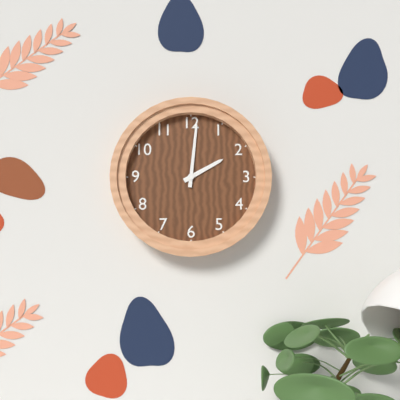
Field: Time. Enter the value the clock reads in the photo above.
2:01
